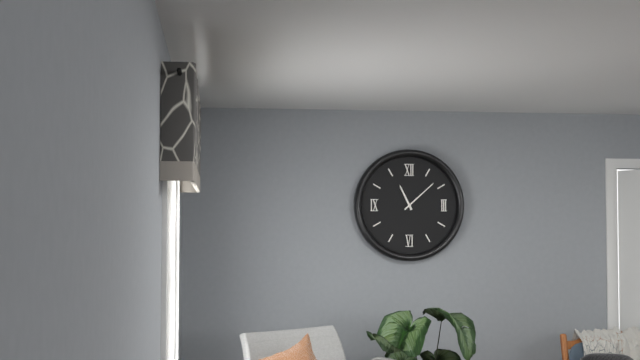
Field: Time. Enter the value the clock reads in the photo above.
11:08
